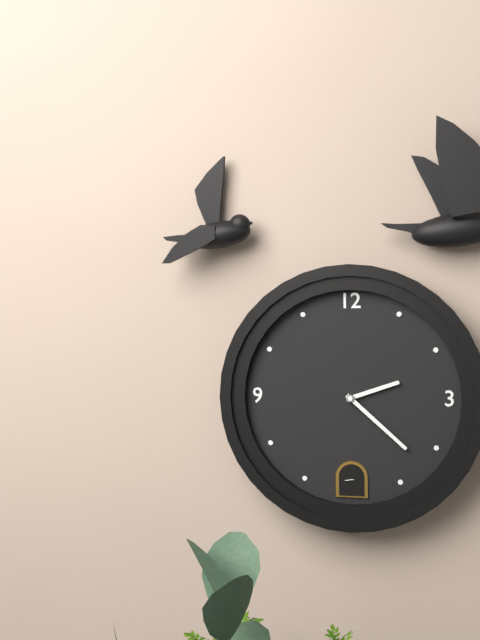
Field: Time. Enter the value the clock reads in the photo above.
2:22
